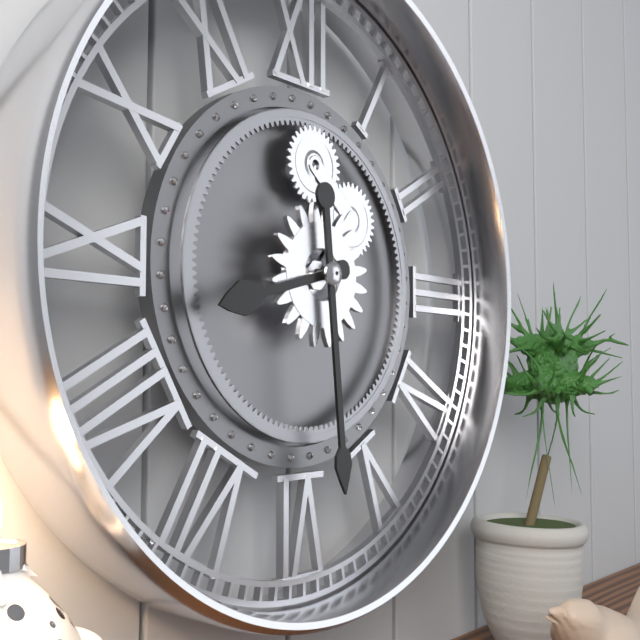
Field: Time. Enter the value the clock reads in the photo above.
8:29
